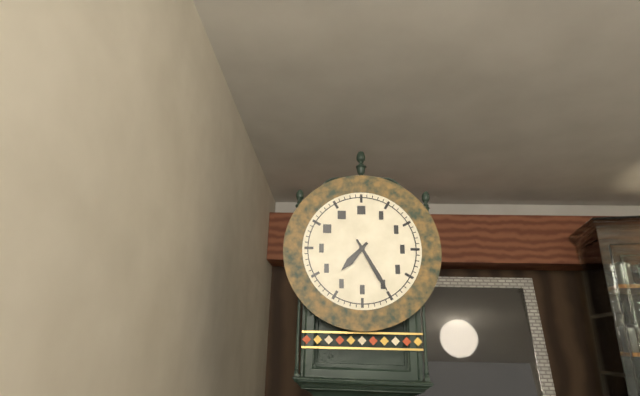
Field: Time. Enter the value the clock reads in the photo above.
7:25
